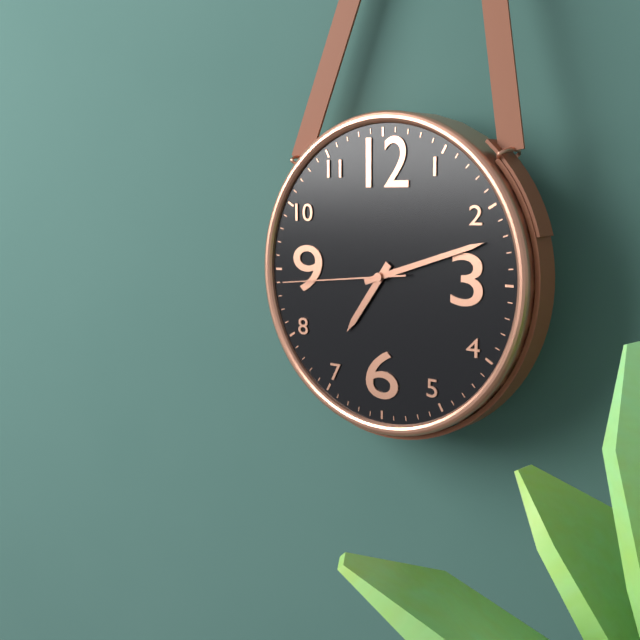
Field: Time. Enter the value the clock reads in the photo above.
7:12:44
